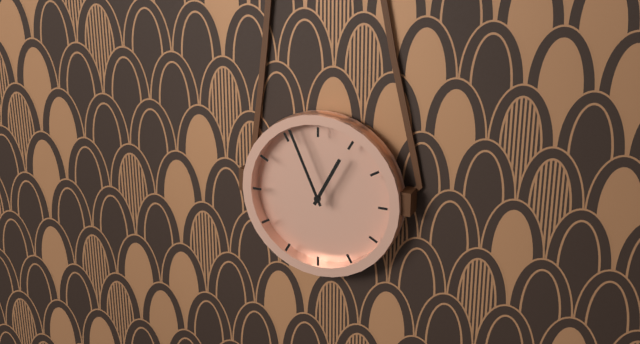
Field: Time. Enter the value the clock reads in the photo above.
12:56
